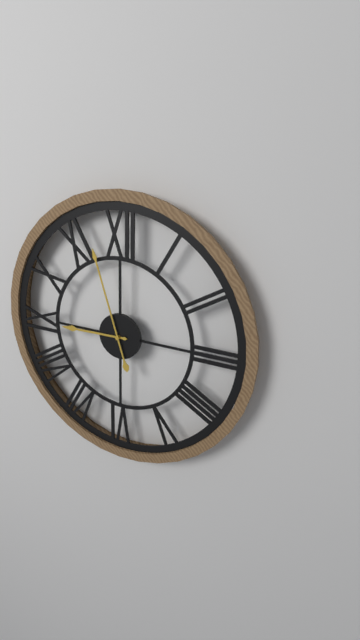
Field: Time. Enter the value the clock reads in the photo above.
8:57
